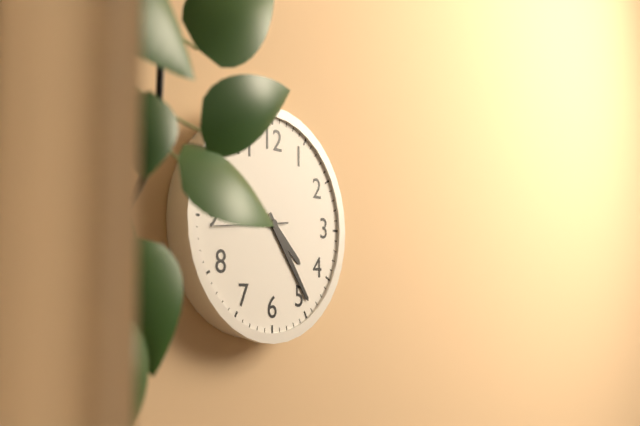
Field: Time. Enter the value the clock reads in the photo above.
4:24:44
